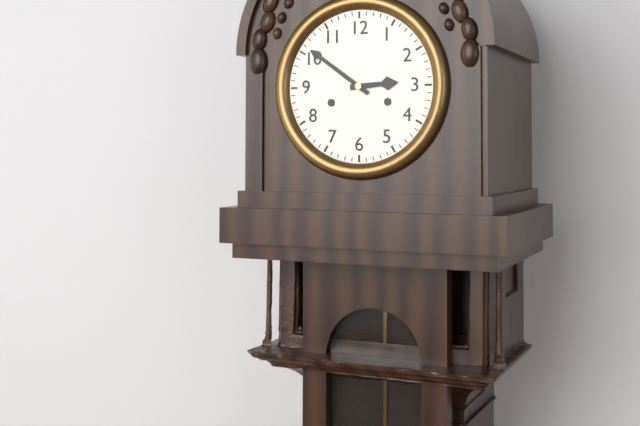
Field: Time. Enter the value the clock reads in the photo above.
2:51
